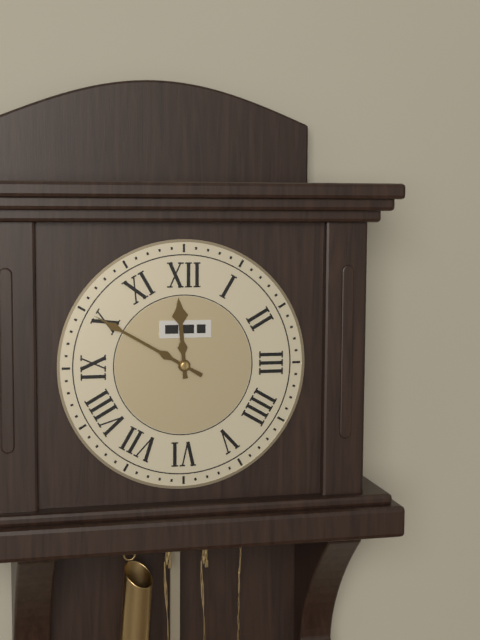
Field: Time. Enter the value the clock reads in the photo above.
11:50
